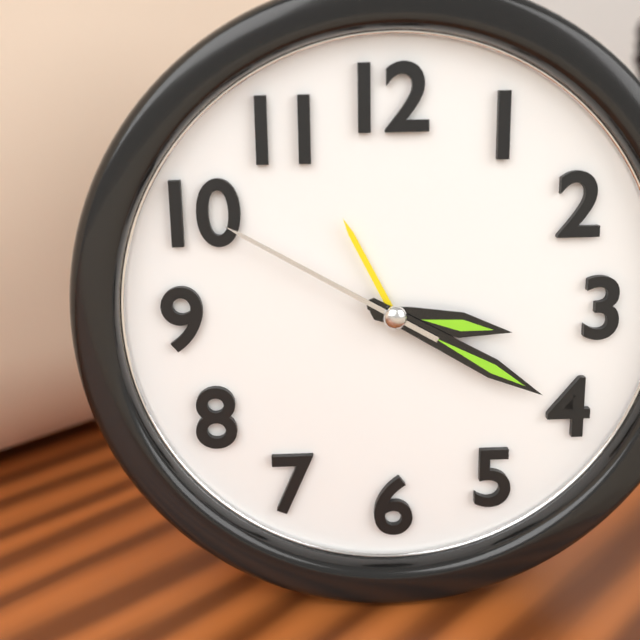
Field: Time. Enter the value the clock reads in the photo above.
3:20:50
